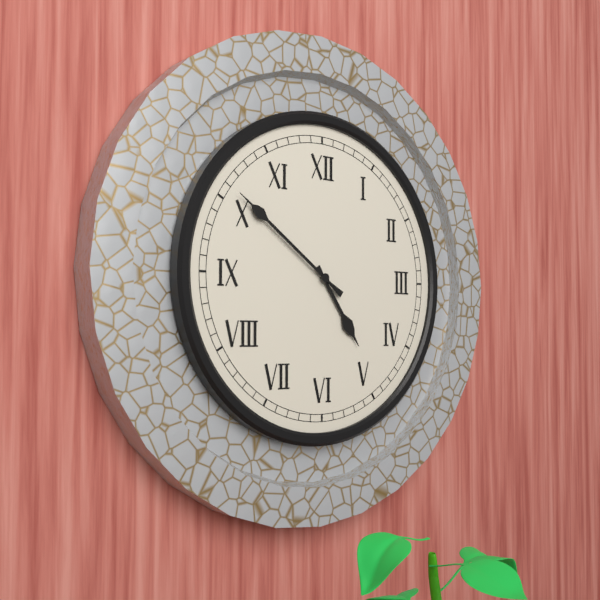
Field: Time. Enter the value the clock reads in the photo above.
4:51
